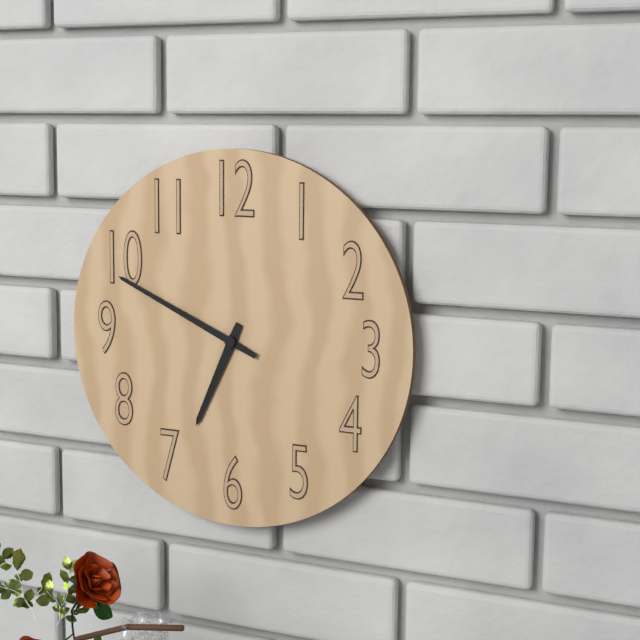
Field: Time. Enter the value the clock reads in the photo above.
6:49
